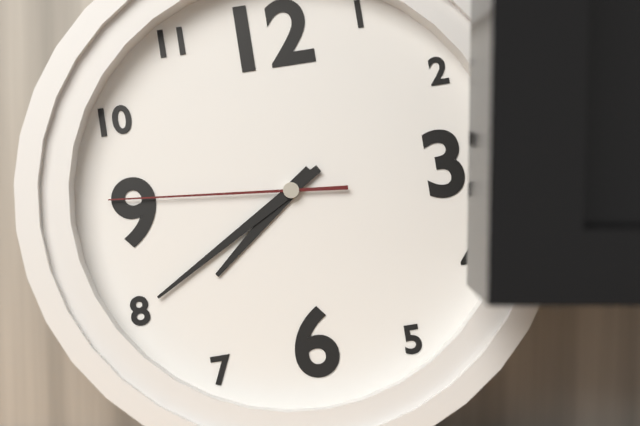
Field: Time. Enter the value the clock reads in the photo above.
7:40:46
